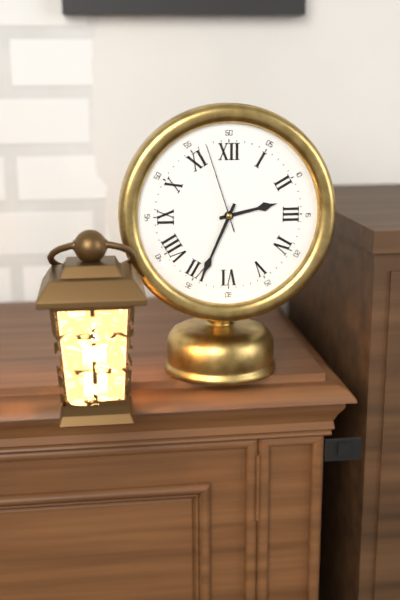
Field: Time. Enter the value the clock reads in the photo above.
2:34:57
